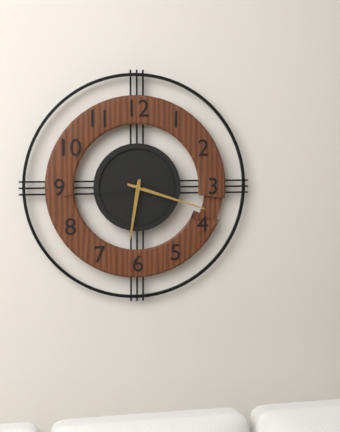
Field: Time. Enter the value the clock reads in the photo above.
6:18:44
